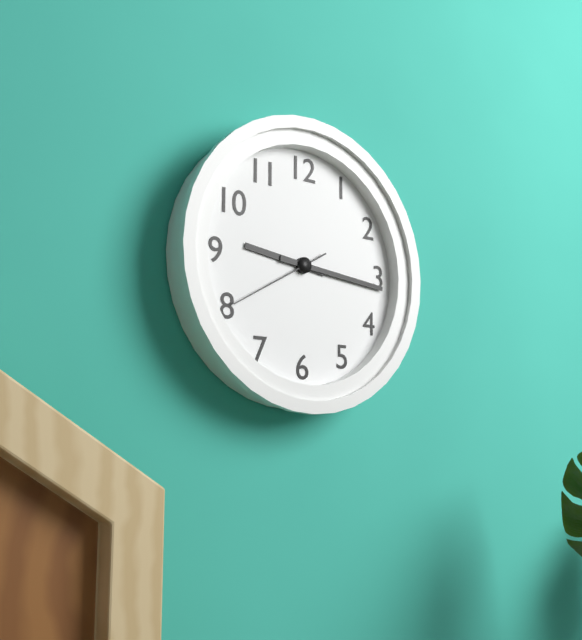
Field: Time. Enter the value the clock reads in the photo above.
9:16:40
